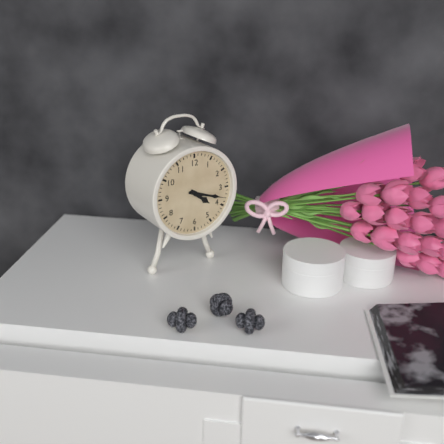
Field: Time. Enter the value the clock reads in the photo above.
4:18
